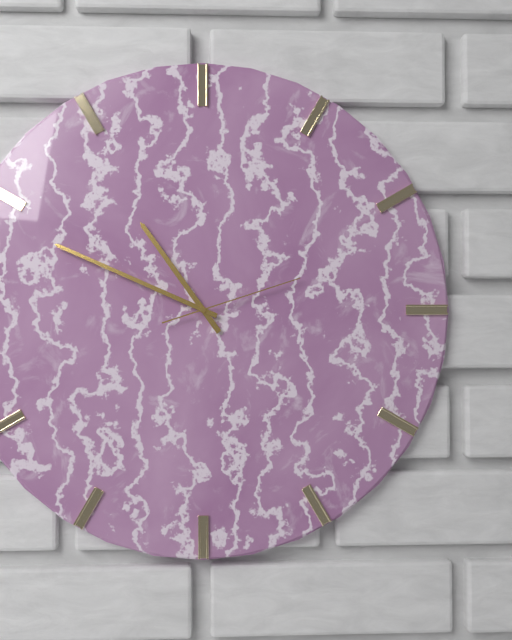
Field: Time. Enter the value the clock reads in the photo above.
10:49:12
